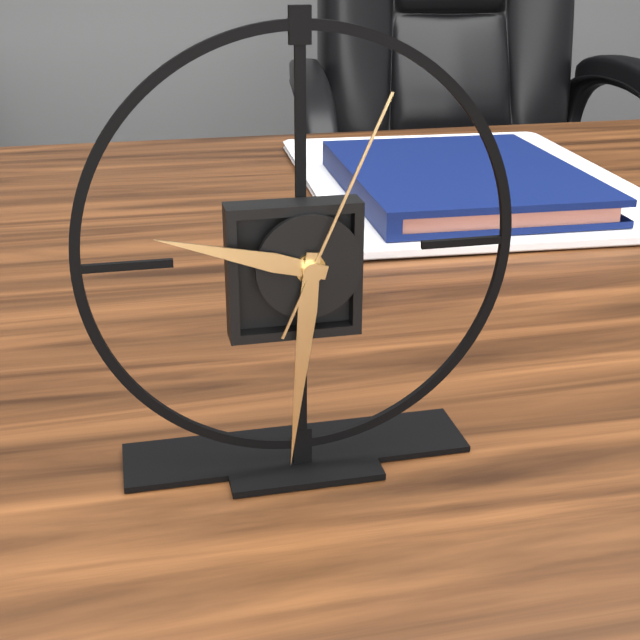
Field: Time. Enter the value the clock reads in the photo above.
9:31:04
